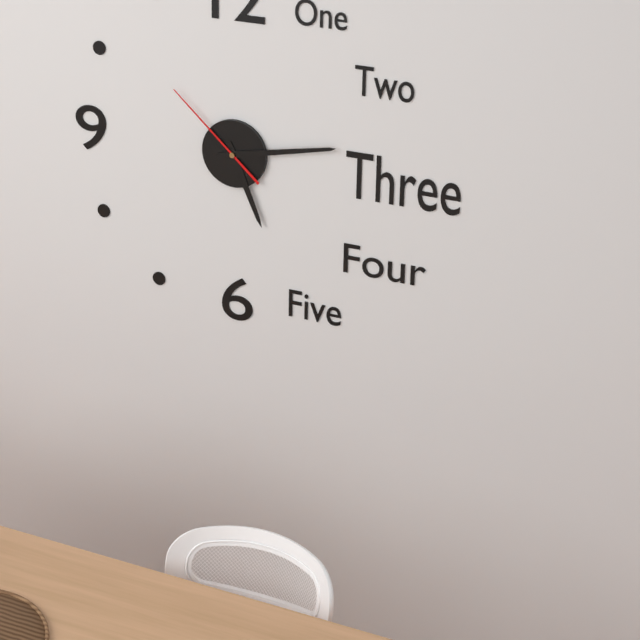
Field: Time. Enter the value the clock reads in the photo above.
5:13:52
